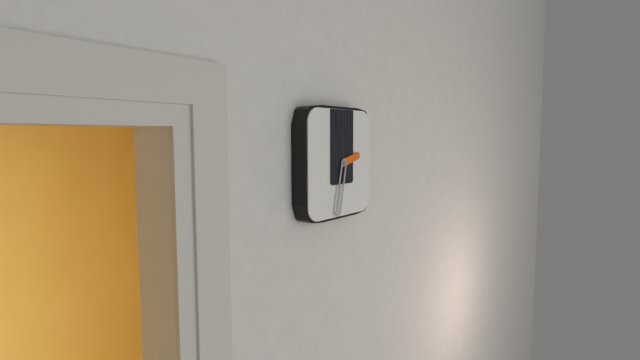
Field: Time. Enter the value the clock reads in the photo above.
2:32
